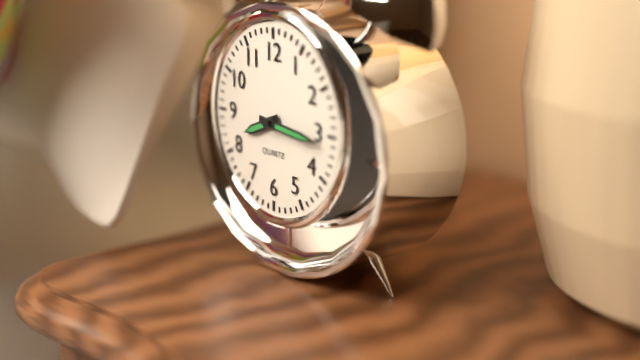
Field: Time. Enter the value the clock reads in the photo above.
8:16
